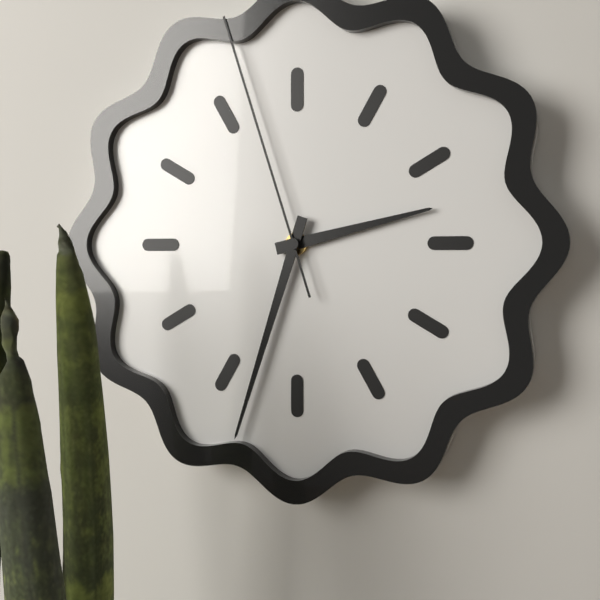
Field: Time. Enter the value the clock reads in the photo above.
2:33:57
